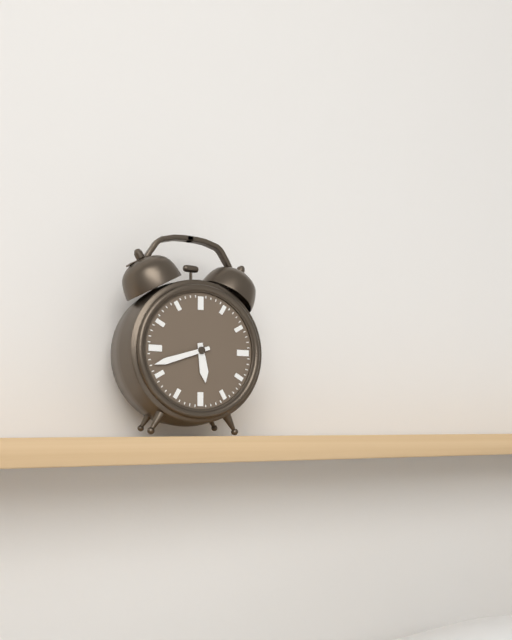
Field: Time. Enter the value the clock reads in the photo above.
5:42
